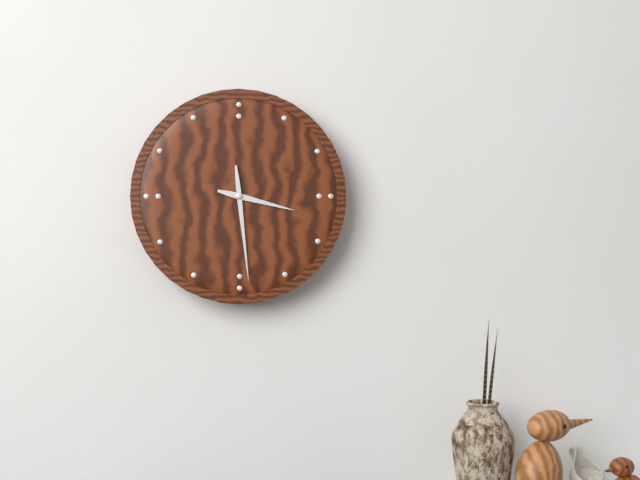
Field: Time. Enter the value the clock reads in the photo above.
3:29
